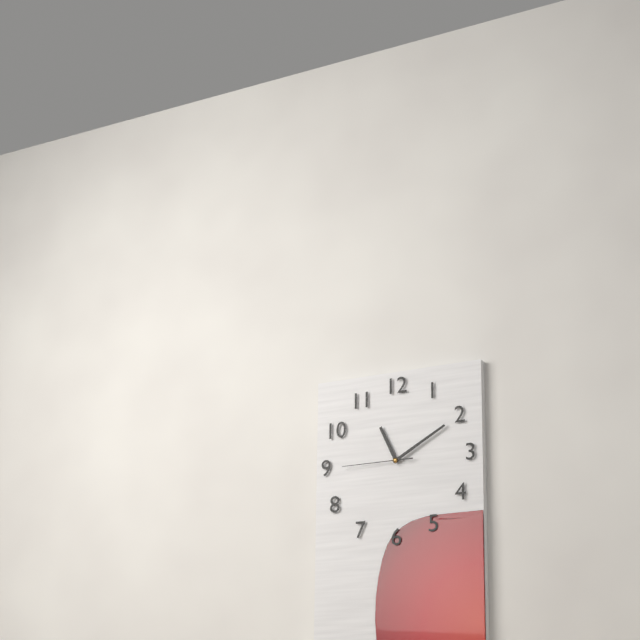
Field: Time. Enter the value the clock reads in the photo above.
11:10:45
